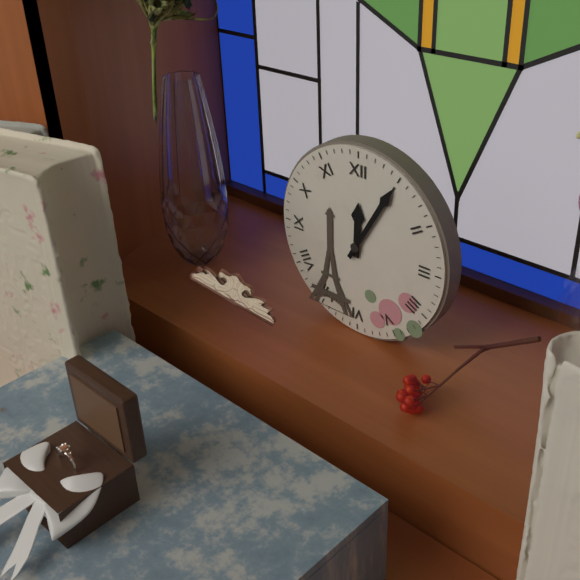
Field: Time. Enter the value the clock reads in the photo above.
12:05
